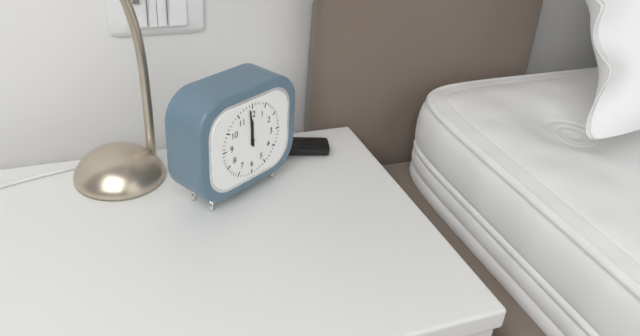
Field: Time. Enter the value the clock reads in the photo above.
11:59
